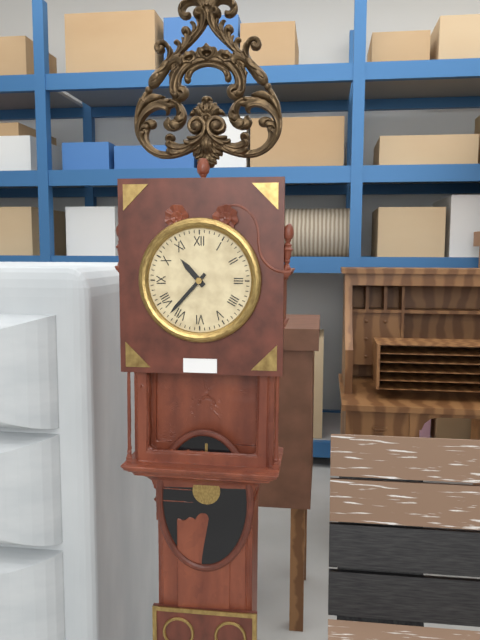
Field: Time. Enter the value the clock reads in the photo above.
10:37
